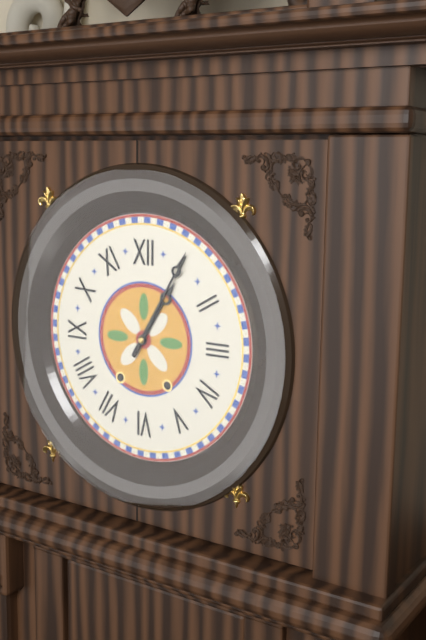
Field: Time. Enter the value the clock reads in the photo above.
1:05
